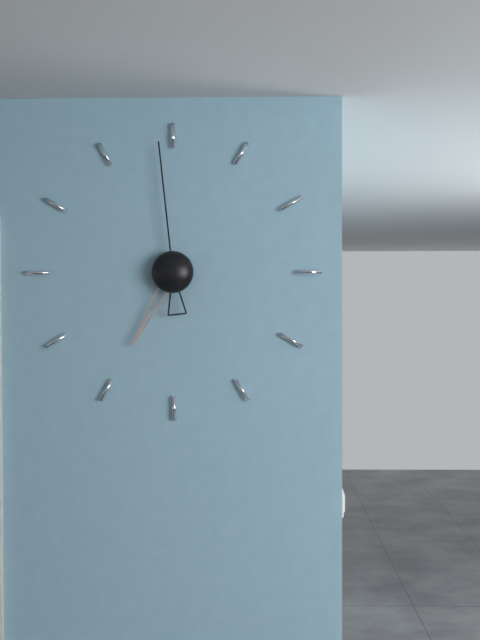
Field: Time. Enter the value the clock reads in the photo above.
6:59
